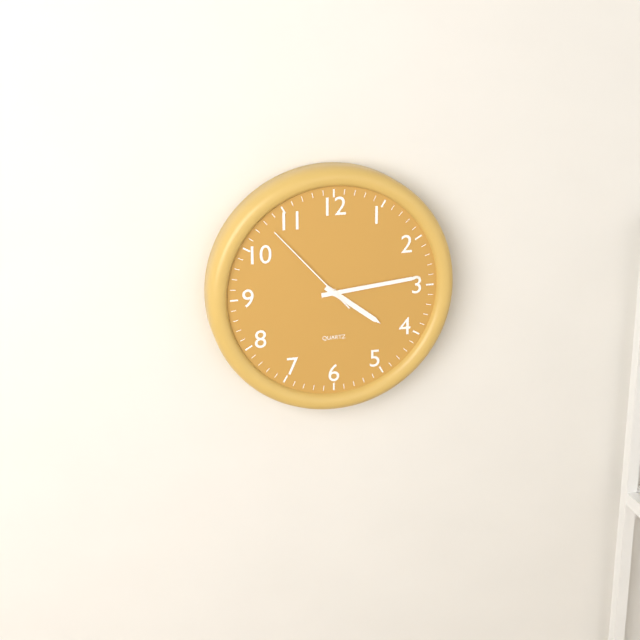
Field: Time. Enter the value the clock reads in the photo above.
4:14:53
